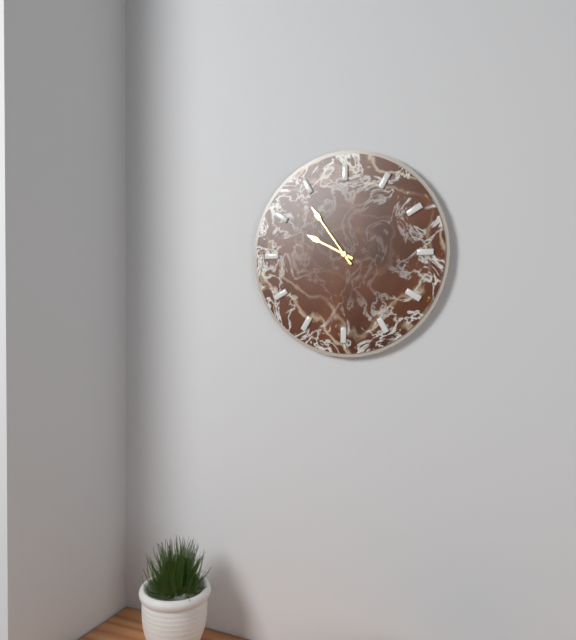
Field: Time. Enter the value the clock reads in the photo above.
9:54
